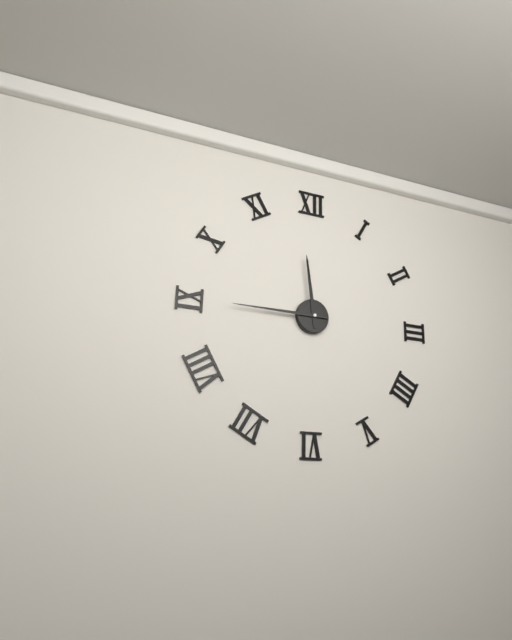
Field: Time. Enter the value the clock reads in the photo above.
11:45
